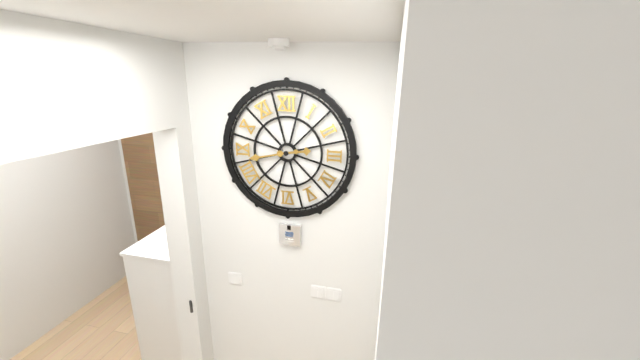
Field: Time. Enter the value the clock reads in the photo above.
2:43
